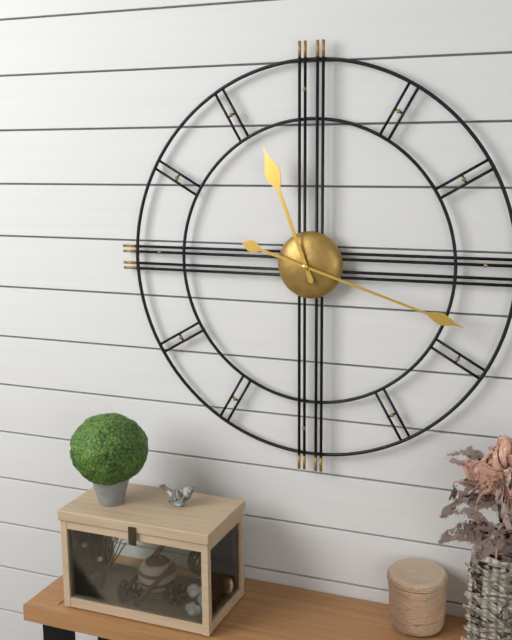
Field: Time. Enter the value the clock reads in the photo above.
11:18
